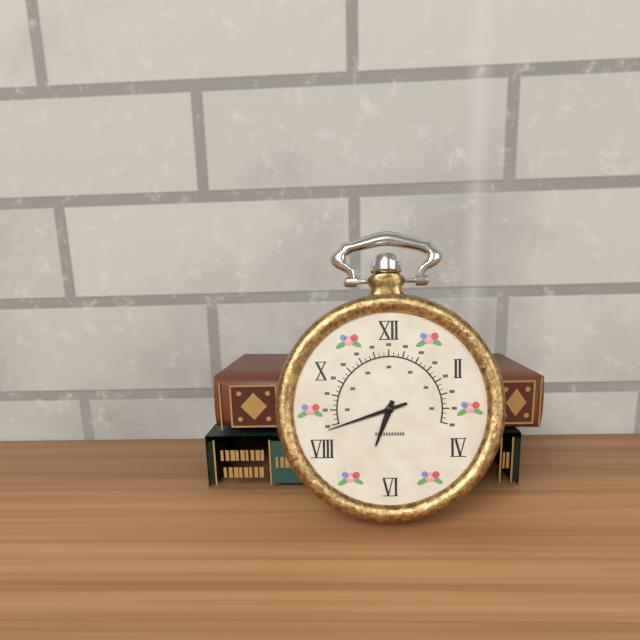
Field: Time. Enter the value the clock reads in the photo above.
6:42
